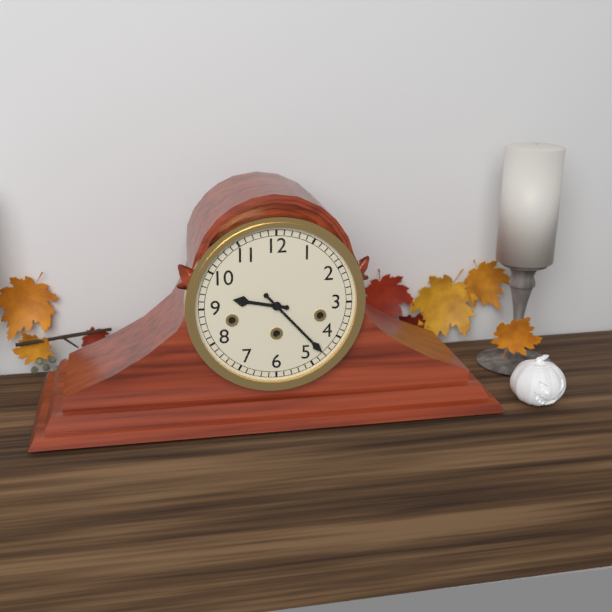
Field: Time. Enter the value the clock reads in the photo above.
9:23
